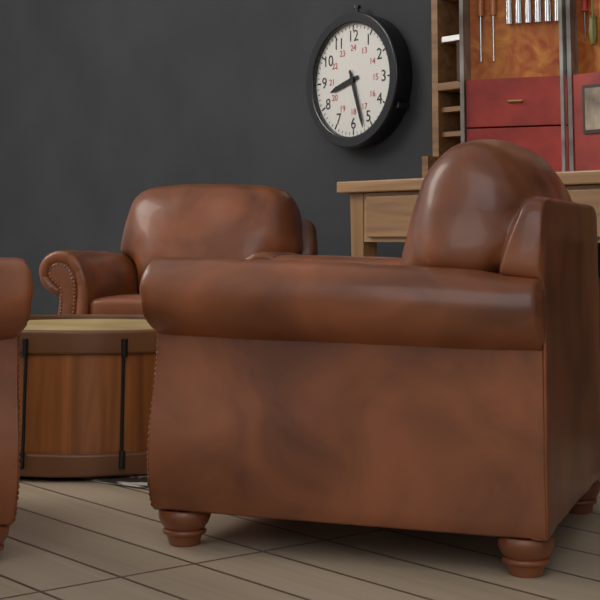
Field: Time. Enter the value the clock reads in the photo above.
8:27
